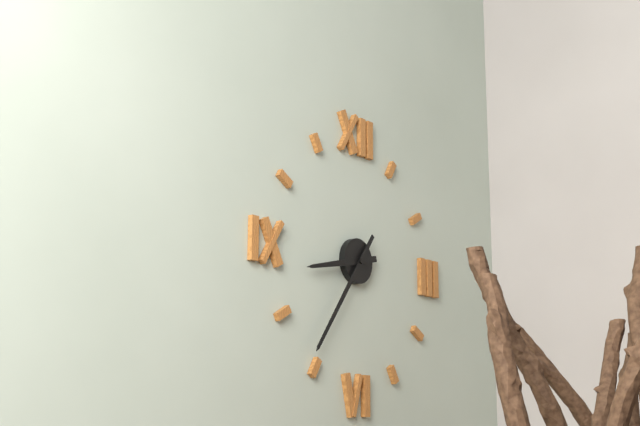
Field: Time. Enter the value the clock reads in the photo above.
8:36
